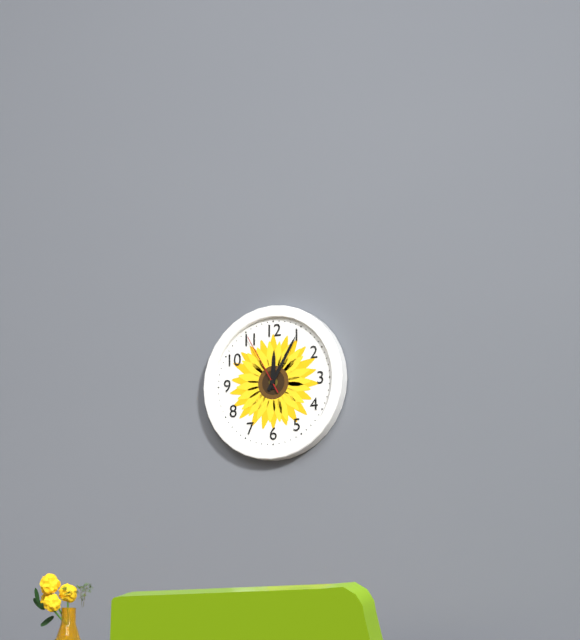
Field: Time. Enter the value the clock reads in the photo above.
12:05:55
